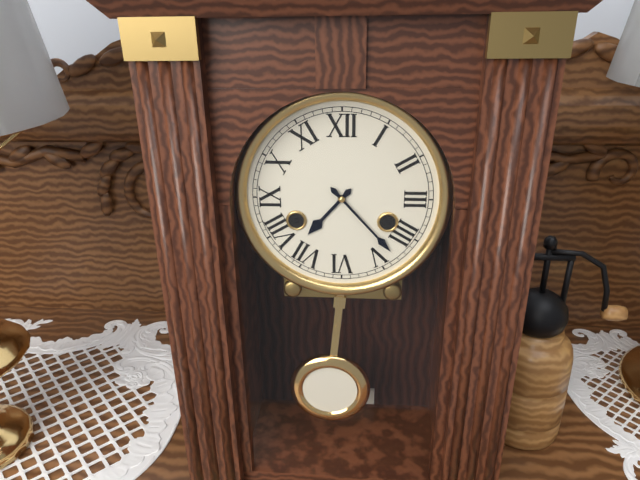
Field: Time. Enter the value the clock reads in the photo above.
7:23
